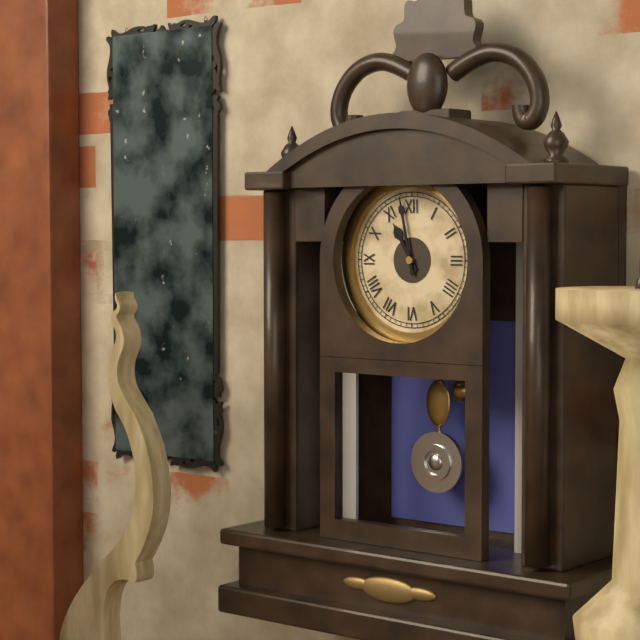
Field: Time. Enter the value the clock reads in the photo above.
10:58
